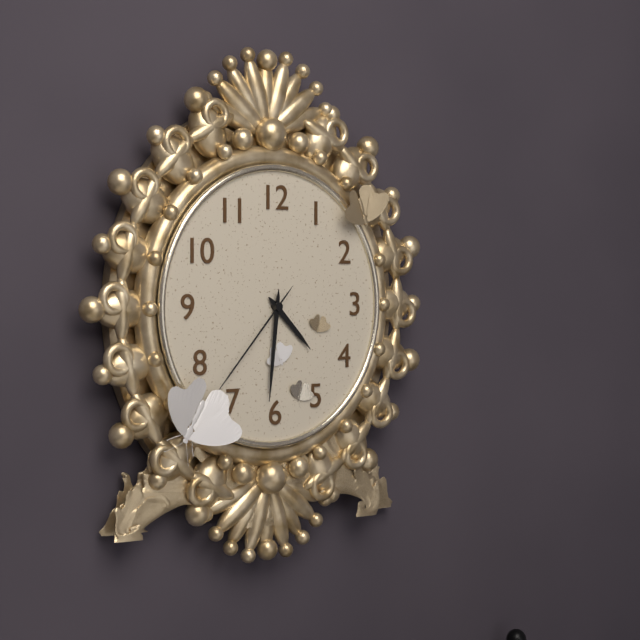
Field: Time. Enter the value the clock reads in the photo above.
4:31:37
